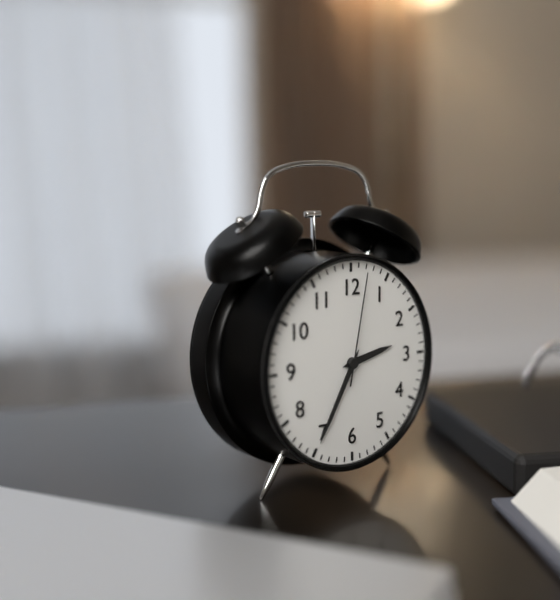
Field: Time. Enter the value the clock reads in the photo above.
2:35:02
